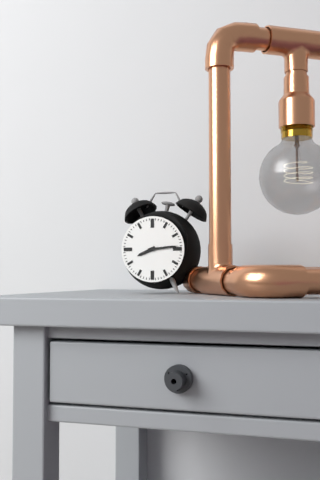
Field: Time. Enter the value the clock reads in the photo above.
8:14
